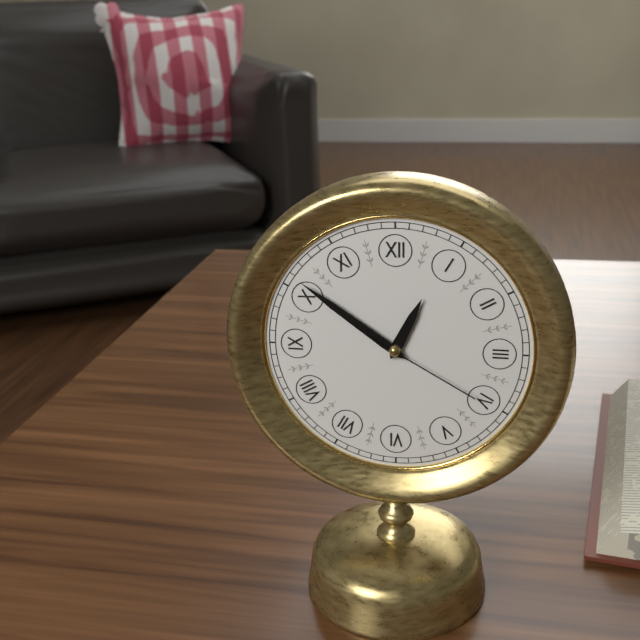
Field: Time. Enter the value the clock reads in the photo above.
12:51:20
